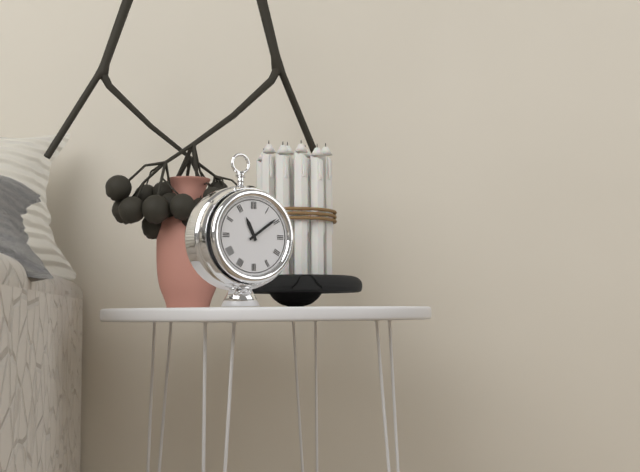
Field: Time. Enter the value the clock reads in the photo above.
11:09
